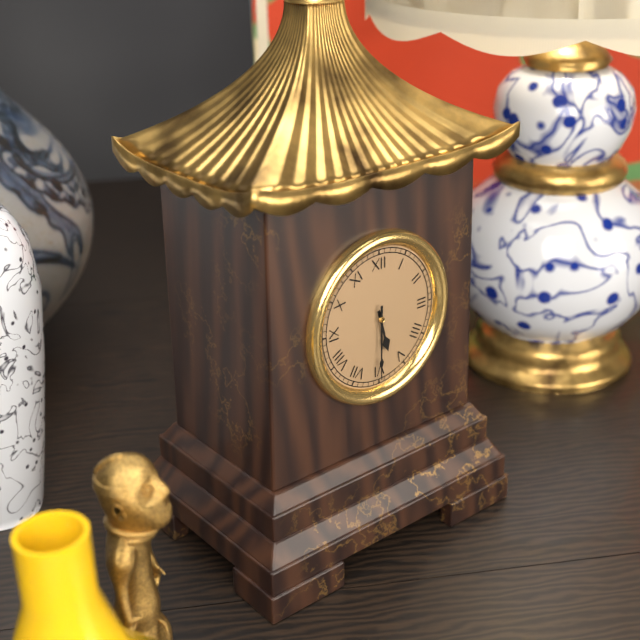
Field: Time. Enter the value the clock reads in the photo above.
5:30
